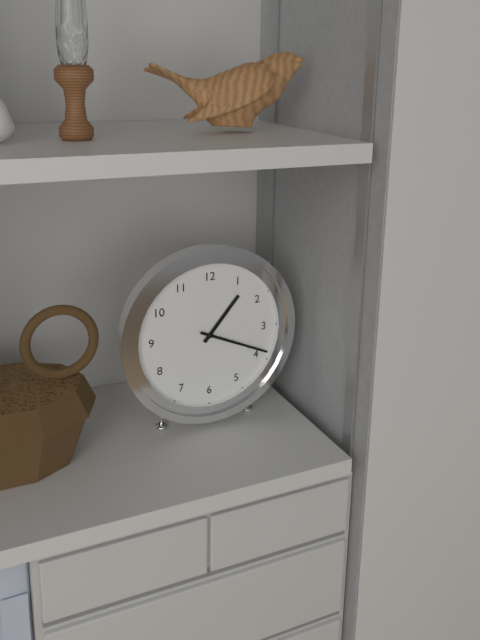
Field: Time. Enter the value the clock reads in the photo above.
1:19
